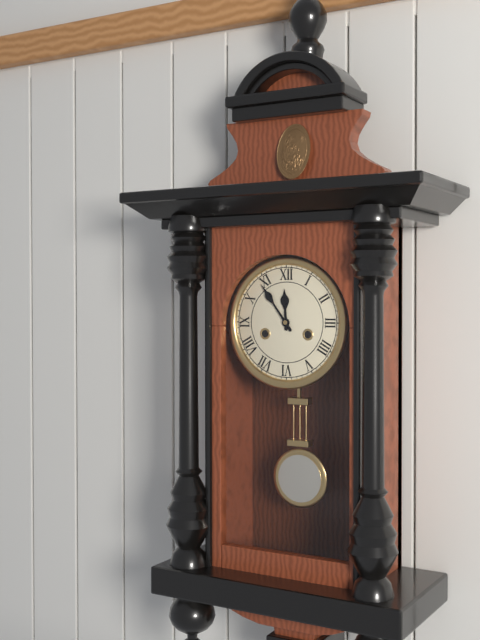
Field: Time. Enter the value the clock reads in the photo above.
11:54
